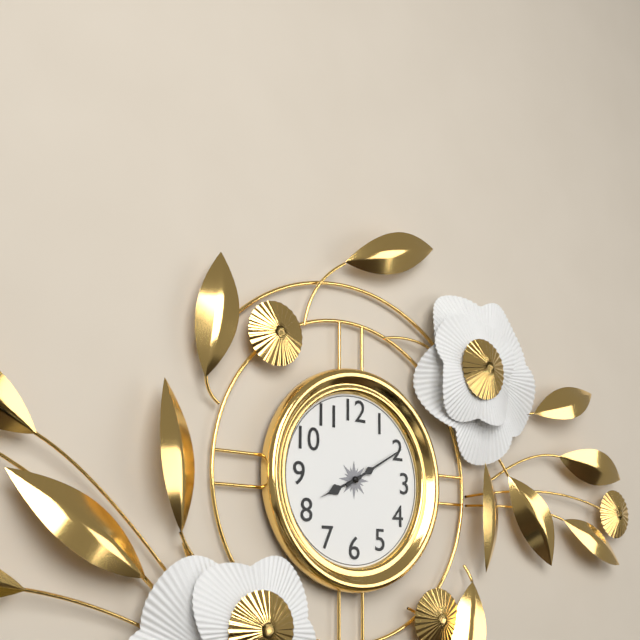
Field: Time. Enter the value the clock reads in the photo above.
8:10
